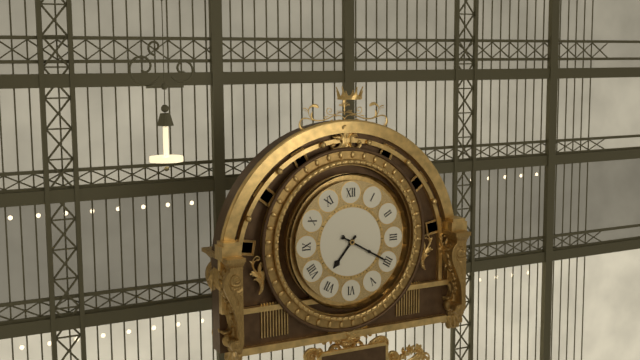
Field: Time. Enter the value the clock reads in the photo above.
7:20
